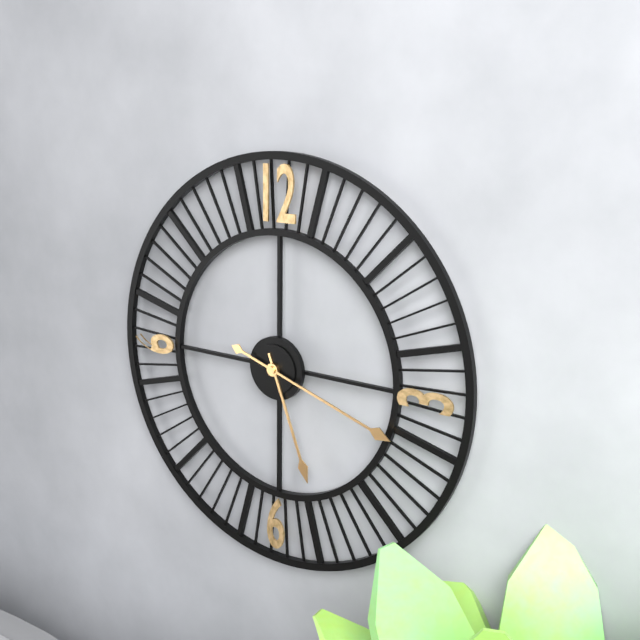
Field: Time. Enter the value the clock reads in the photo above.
5:18
